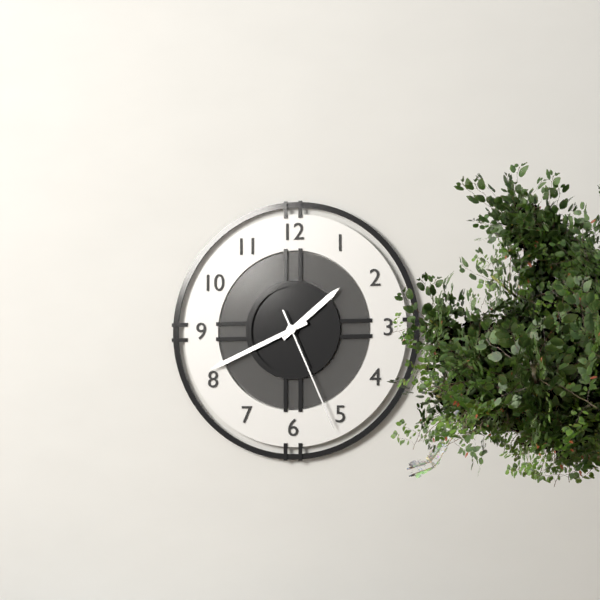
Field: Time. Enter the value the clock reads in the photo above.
1:41:26
